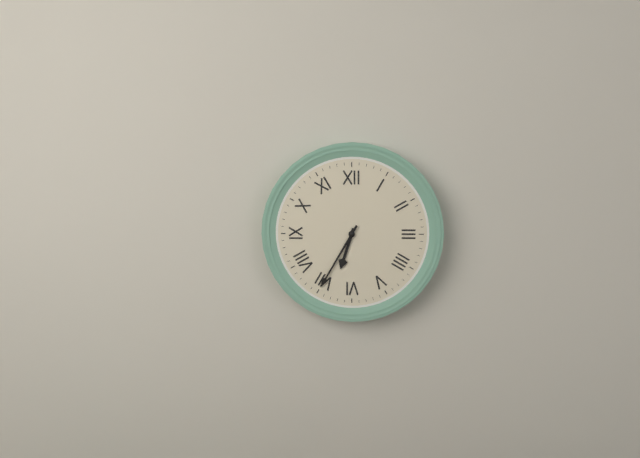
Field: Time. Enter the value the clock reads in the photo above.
6:35
